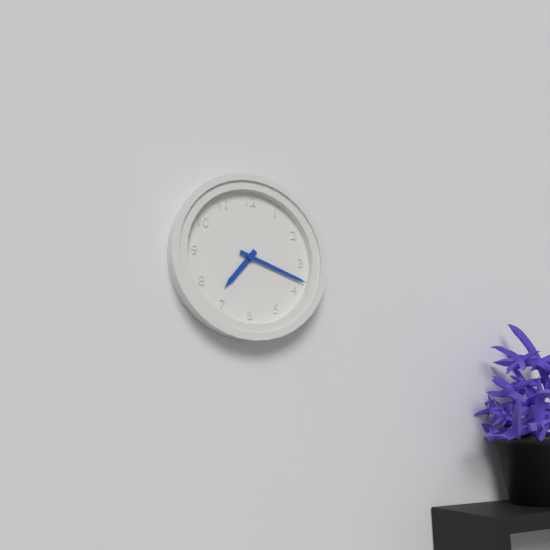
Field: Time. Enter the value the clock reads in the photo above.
7:18
